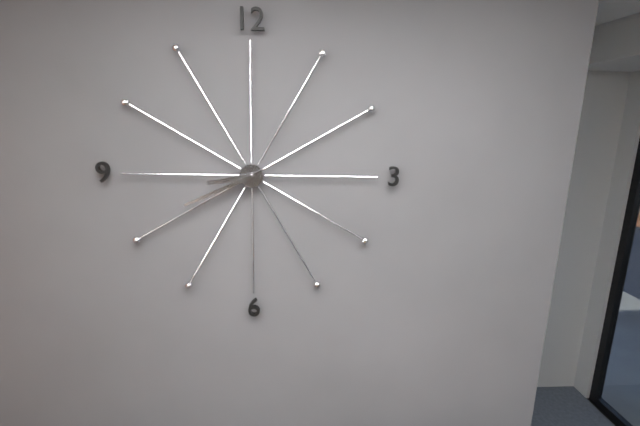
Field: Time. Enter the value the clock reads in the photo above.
8:41
